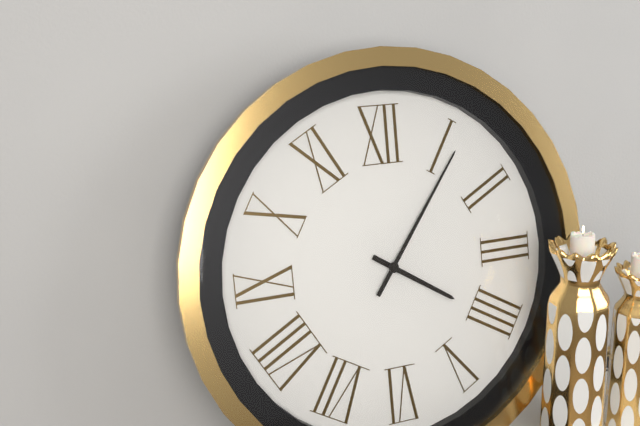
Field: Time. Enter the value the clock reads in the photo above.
4:06
